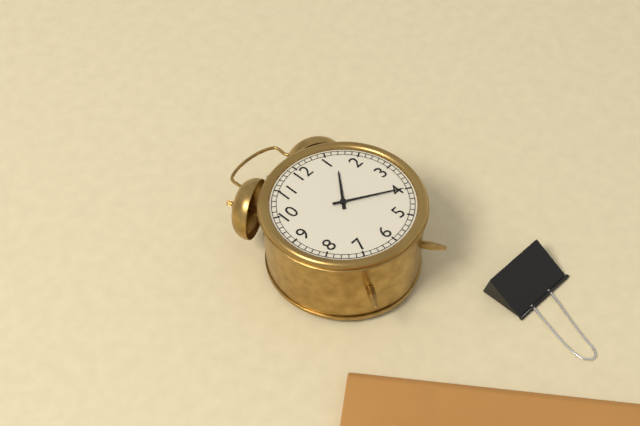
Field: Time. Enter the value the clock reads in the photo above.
1:20
